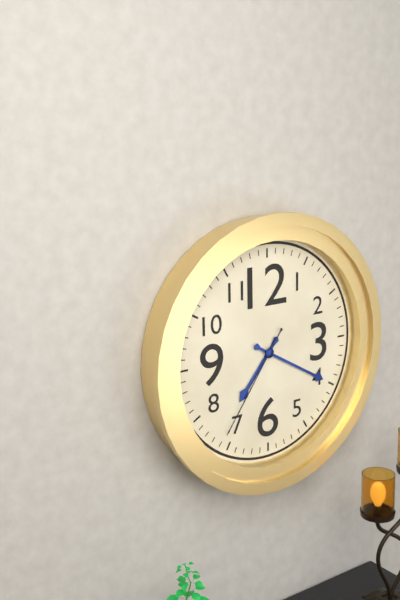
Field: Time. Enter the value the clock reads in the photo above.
7:20:36
